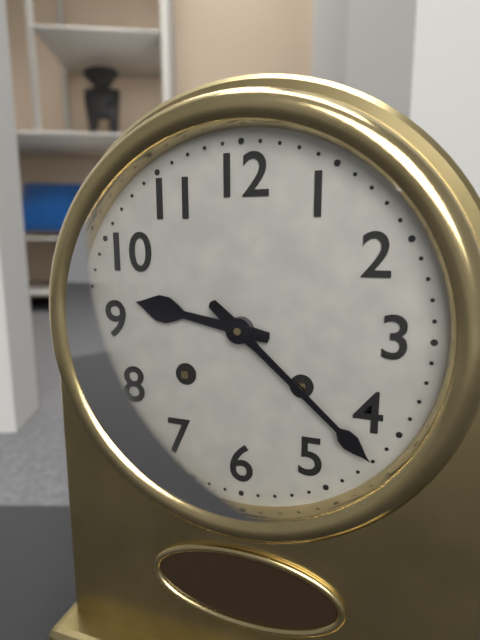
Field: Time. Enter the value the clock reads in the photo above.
9:22
